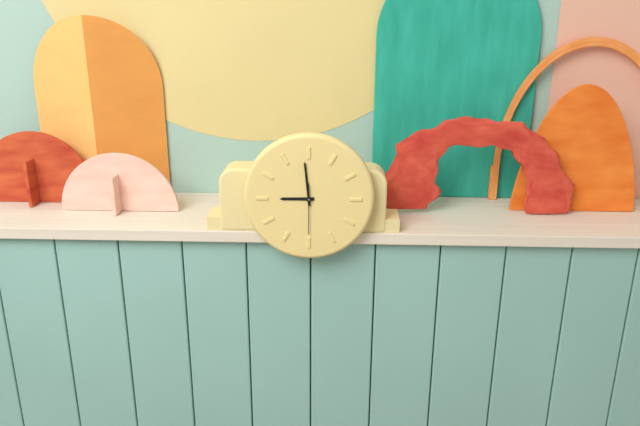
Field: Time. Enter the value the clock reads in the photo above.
8:59
